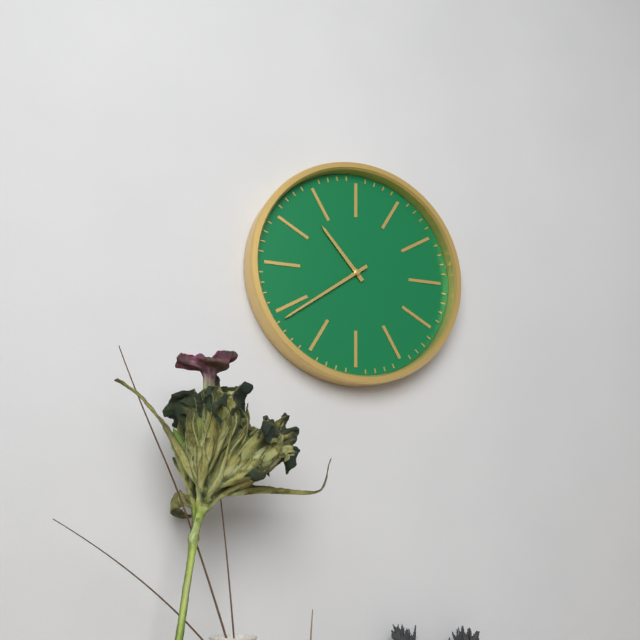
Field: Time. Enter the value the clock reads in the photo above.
10:39
